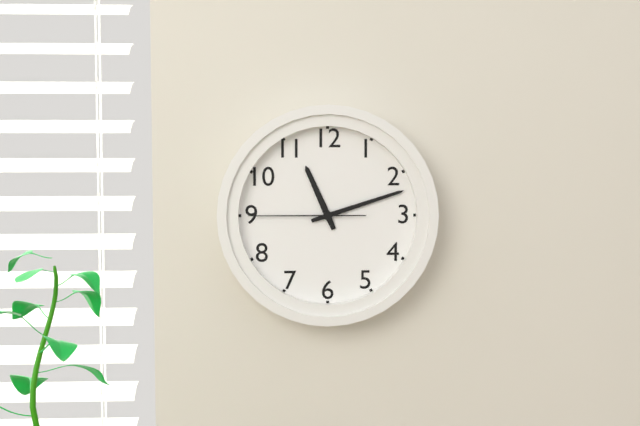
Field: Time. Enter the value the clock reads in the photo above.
11:12:45
